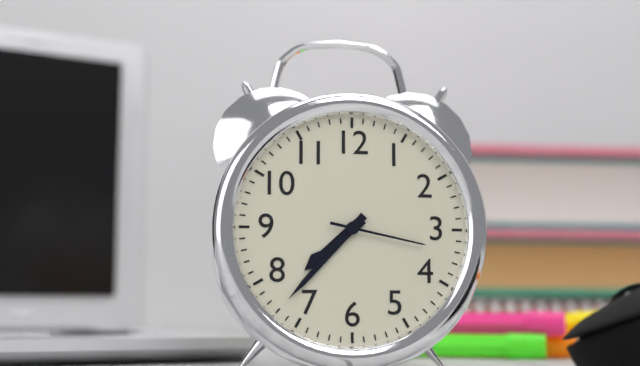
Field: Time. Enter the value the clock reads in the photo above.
7:37:17
